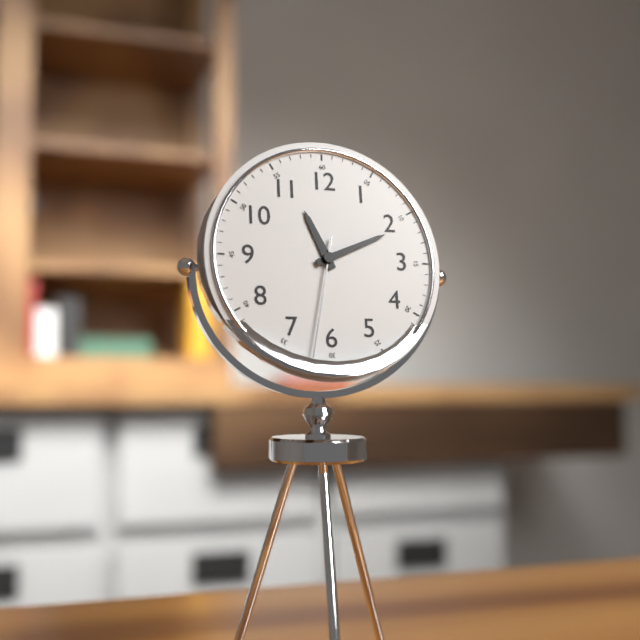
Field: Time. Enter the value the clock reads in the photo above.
11:11:32
